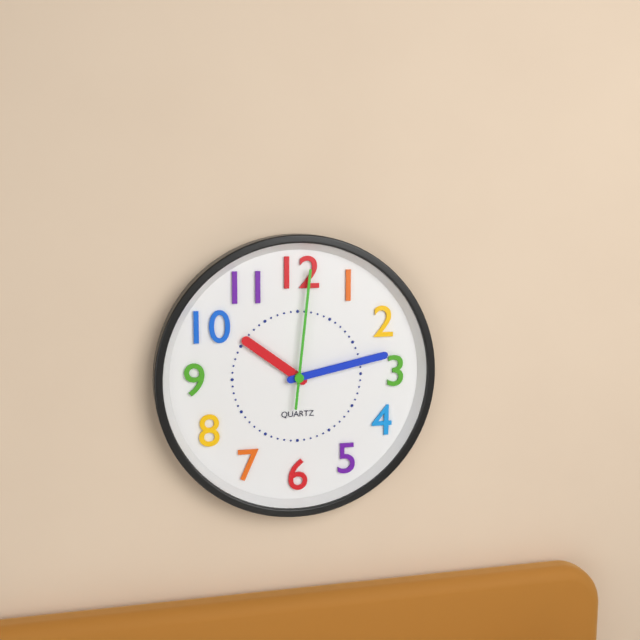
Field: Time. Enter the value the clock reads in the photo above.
10:13:01
